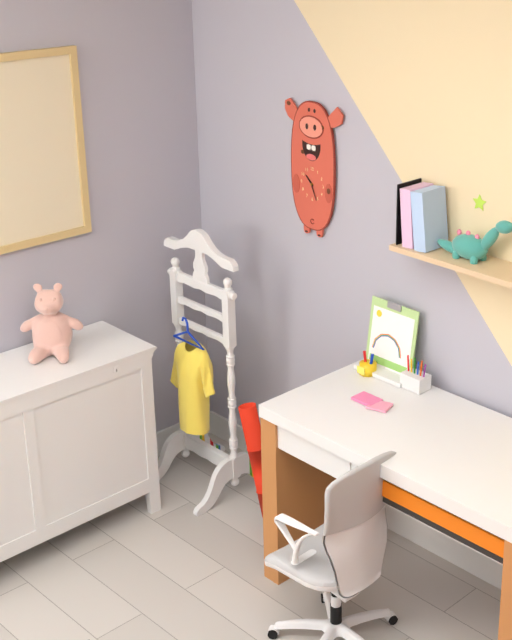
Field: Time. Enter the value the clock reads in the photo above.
10:26
